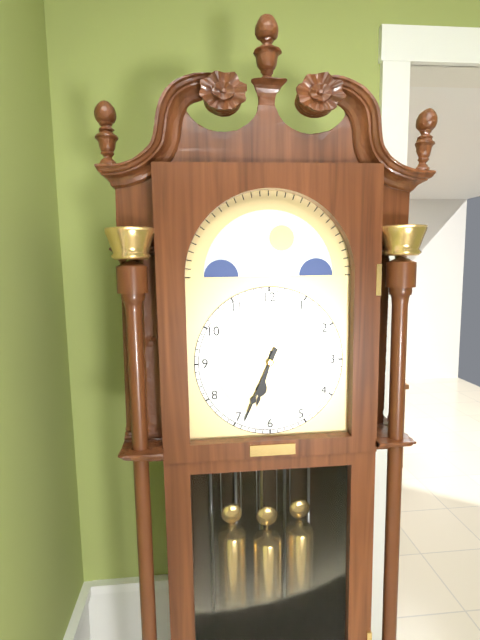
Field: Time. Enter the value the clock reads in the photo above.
6:34
